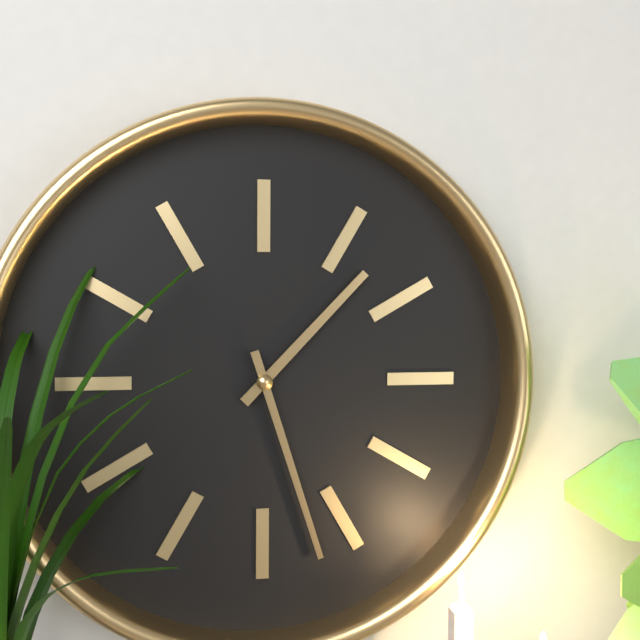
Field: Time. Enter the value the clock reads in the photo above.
1:27
